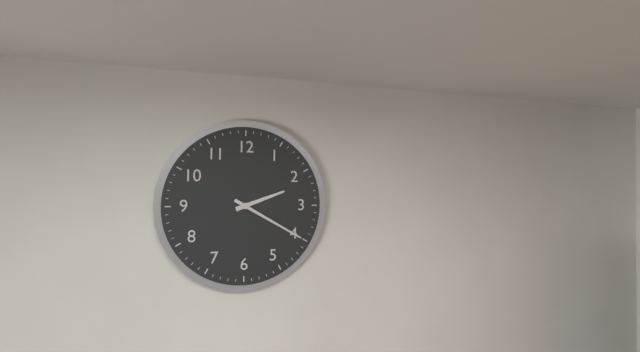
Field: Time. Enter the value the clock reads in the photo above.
2:20
